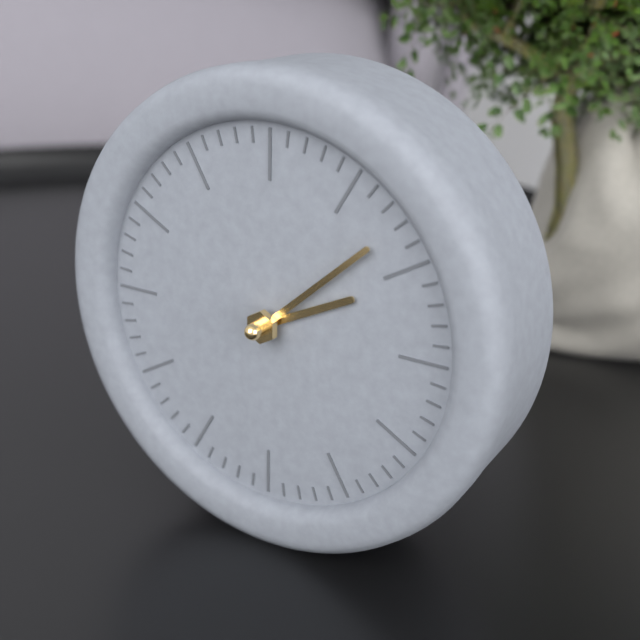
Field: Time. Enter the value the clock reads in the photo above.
2:08
